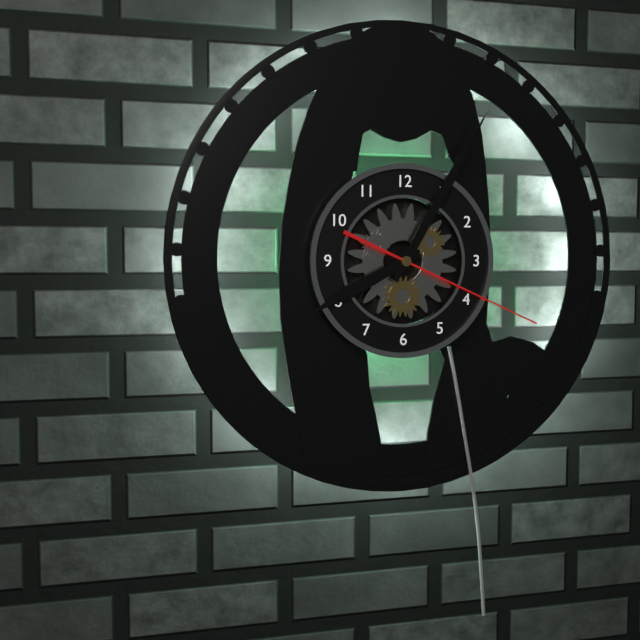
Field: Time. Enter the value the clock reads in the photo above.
8:05:19
